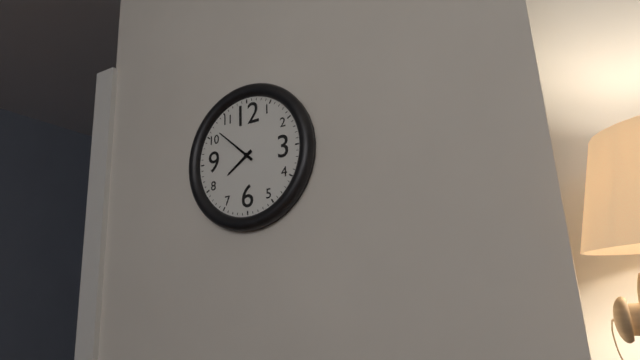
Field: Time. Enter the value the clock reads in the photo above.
7:52
